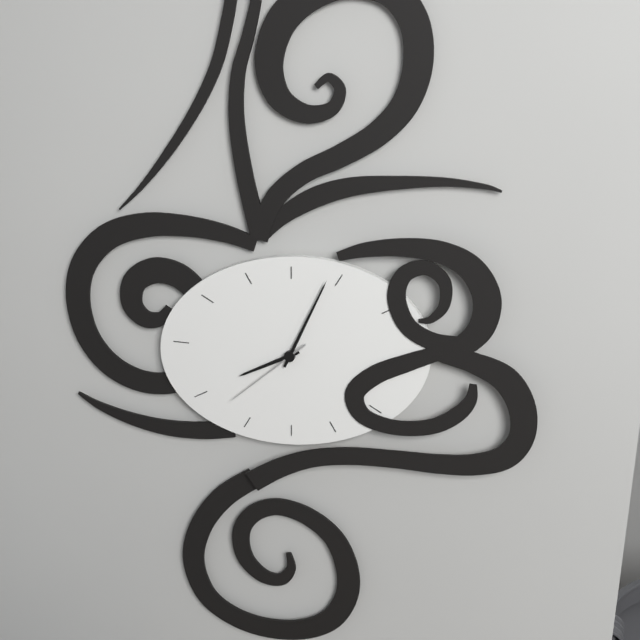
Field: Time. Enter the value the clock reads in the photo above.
8:04:38
